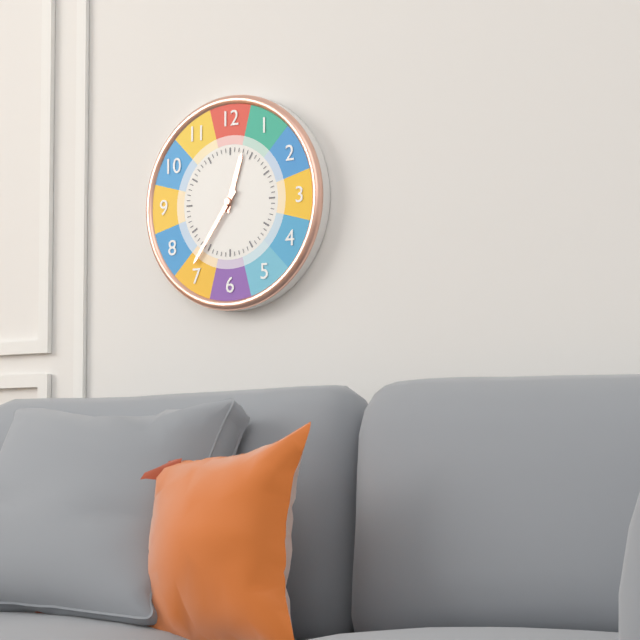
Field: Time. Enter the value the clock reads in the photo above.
12:36
